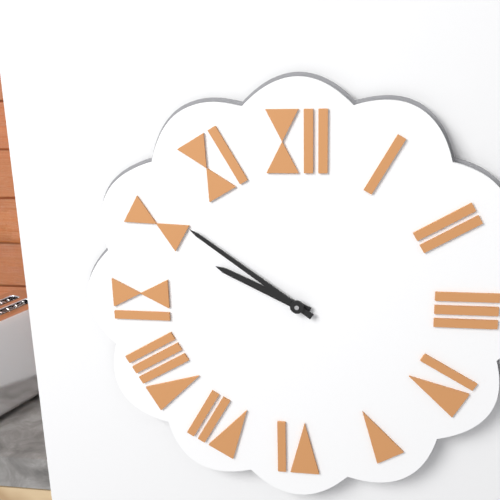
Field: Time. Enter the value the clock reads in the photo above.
9:51
